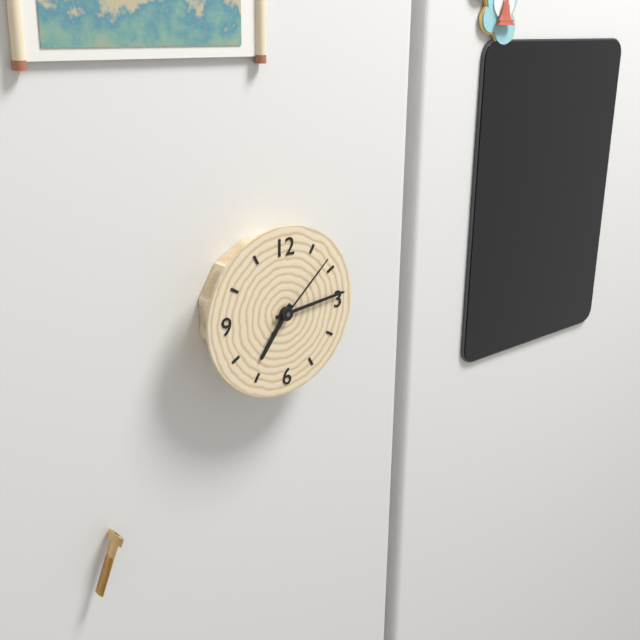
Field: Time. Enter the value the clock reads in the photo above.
7:14:08
